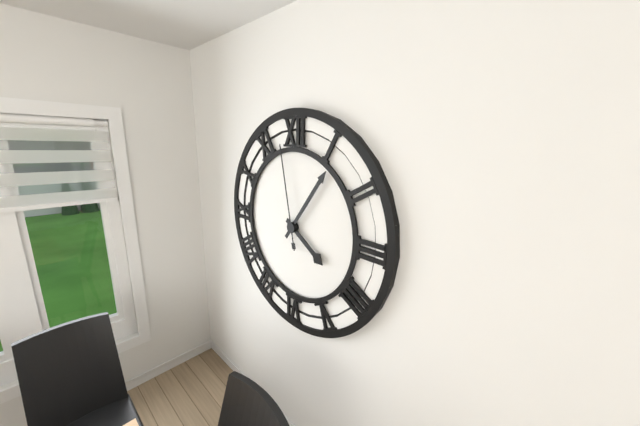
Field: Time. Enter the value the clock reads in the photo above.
4:06:58
